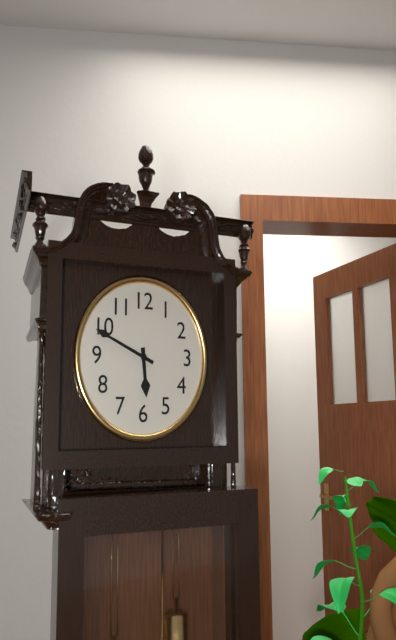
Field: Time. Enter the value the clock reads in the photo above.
5:49
